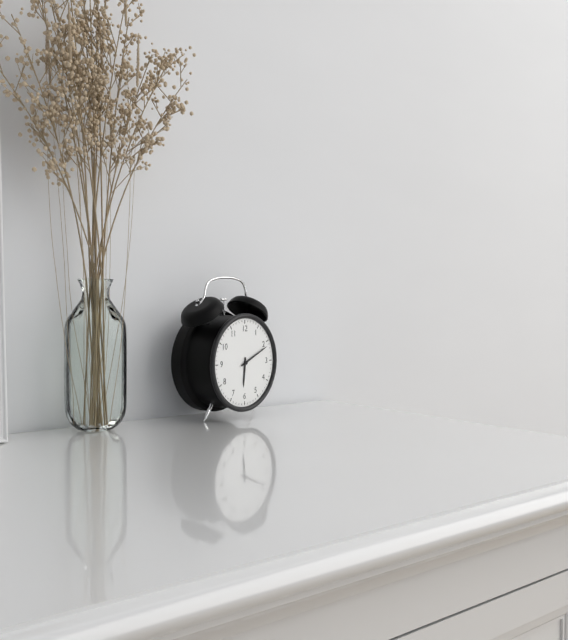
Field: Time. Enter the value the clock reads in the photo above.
6:11
